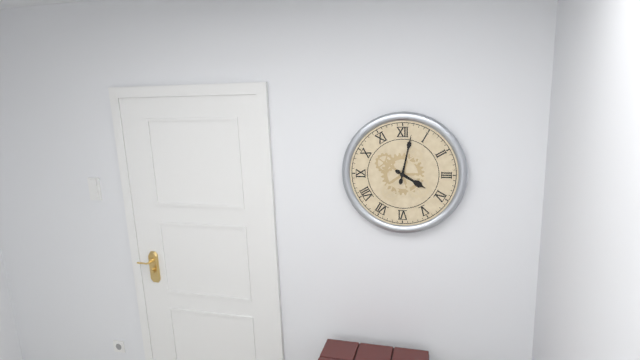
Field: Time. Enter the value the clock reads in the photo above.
4:02
